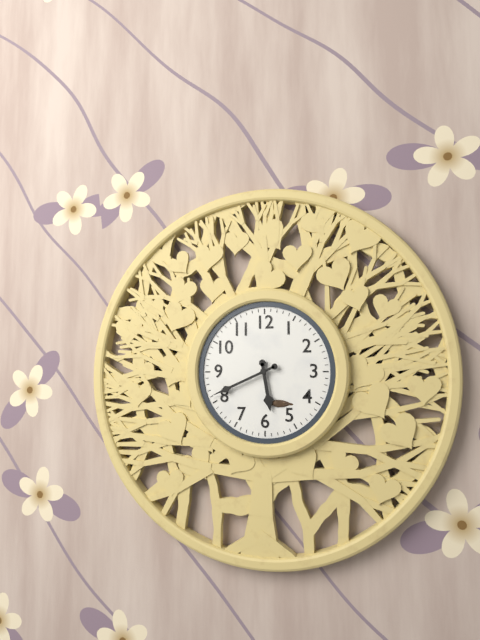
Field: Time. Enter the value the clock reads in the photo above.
5:41
